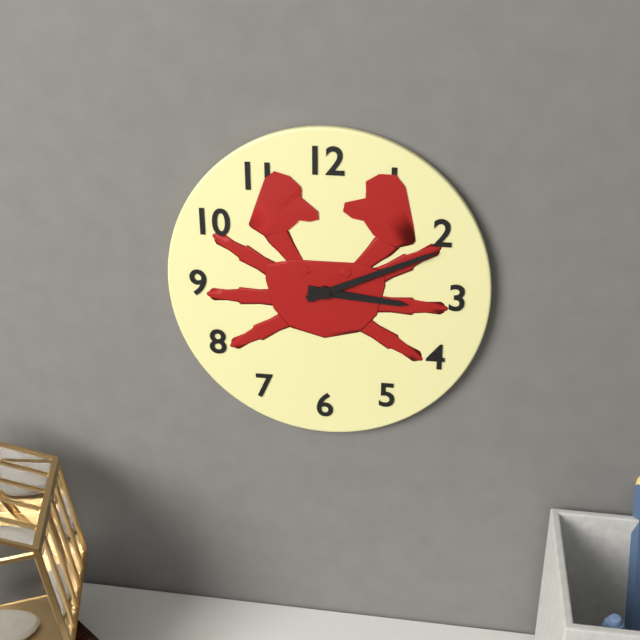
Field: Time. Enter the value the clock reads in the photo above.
3:11
